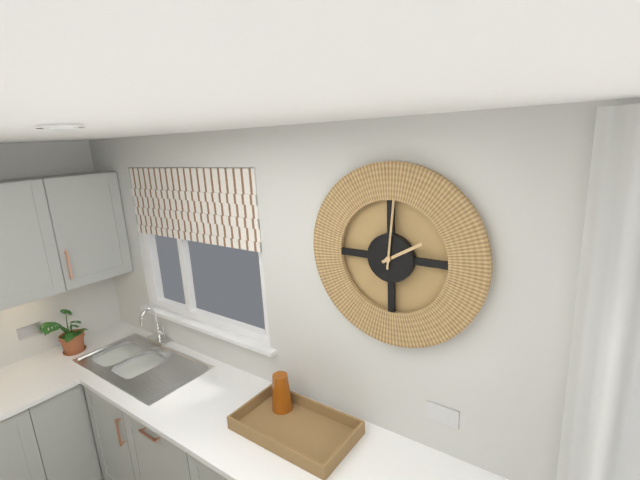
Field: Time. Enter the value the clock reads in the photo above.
2:01
